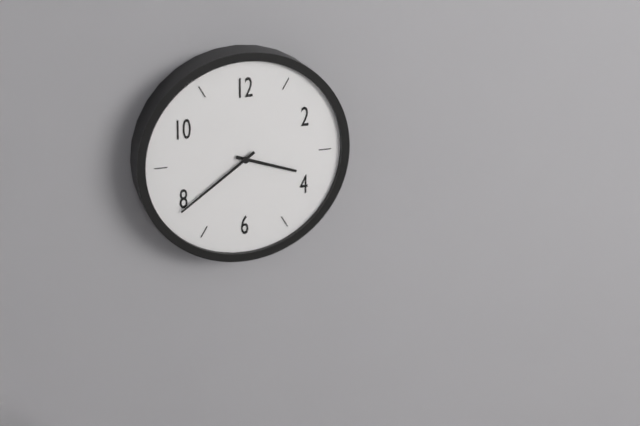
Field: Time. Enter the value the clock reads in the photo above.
3:39
